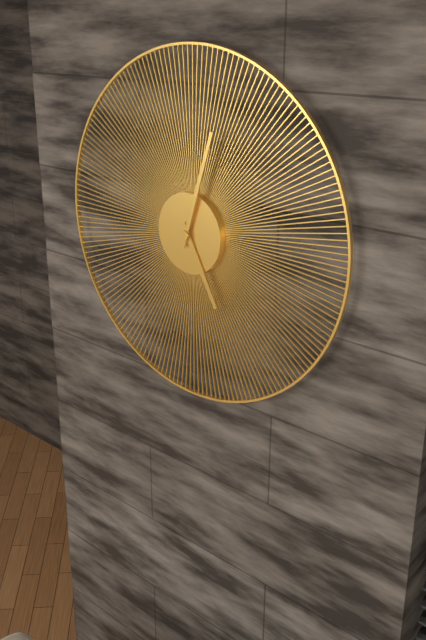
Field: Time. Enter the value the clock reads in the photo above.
5:03
